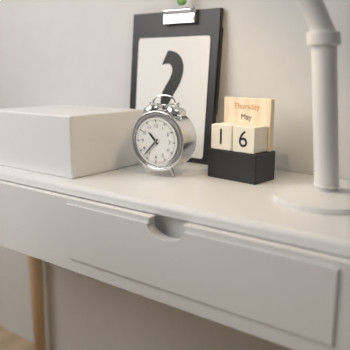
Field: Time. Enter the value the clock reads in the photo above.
10:37
